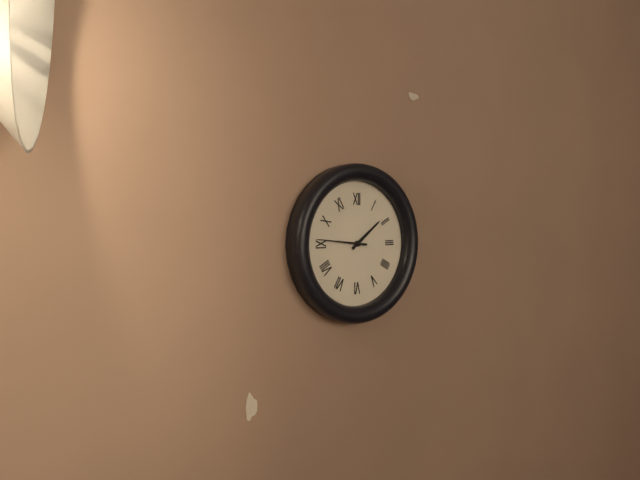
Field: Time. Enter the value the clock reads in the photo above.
1:46
